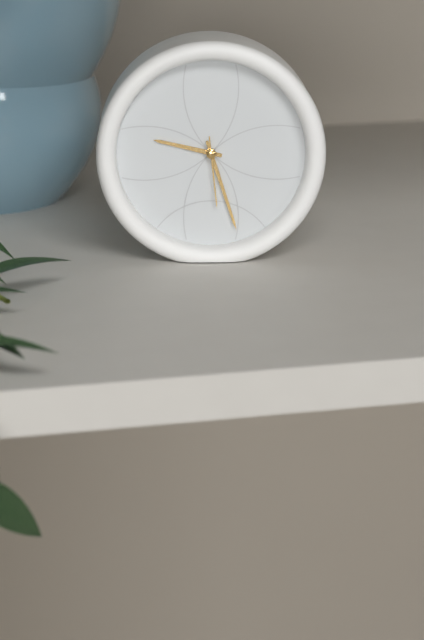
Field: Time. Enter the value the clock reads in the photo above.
9:27:29
